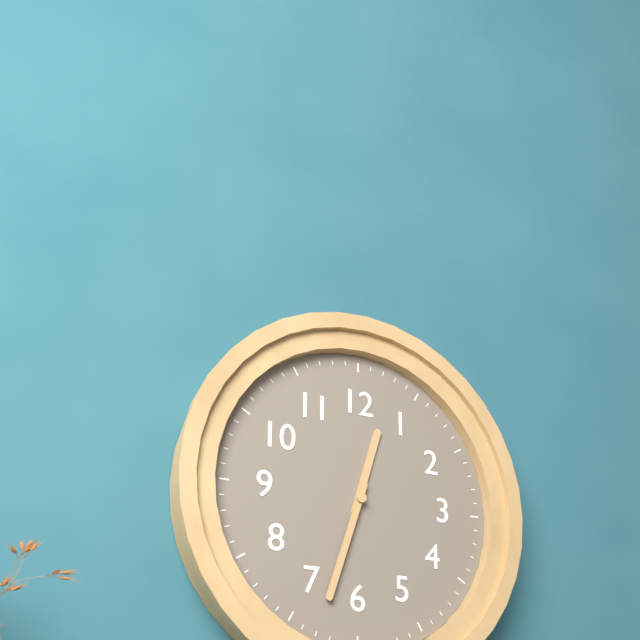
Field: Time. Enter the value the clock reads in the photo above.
12:33
